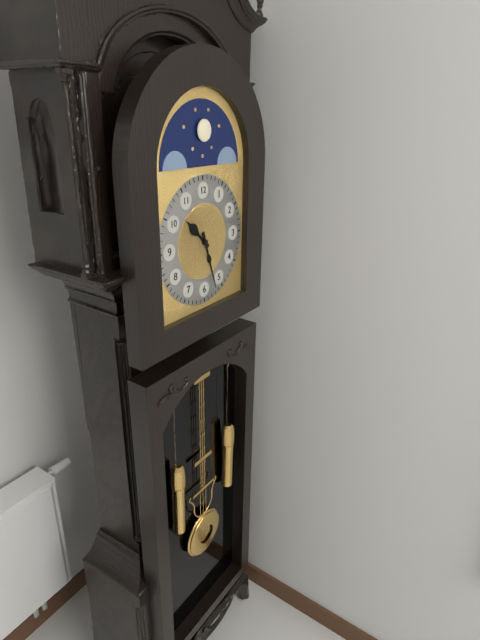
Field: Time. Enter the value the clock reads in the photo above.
10:27
